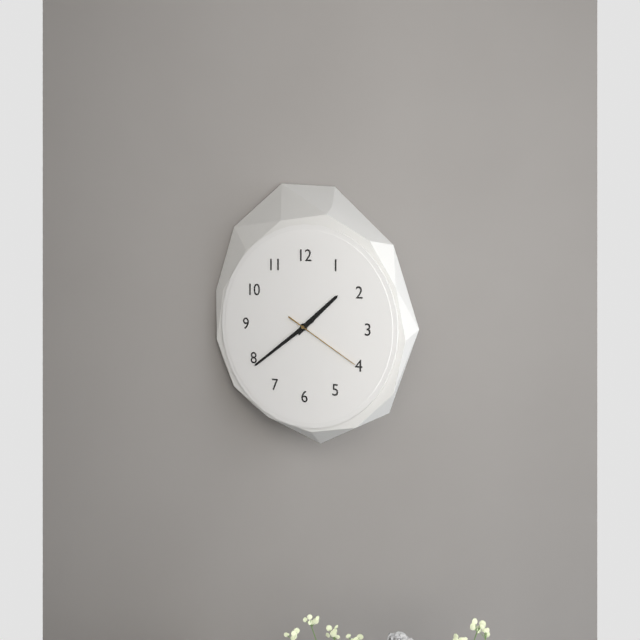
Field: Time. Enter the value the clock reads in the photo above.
1:39:20
